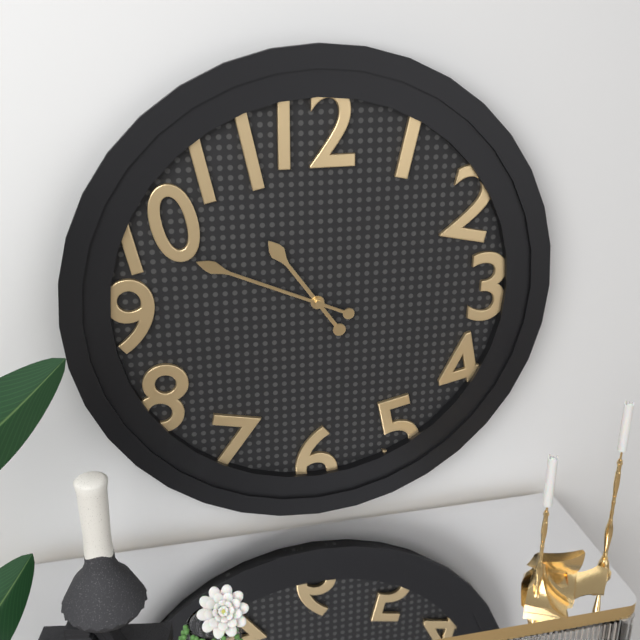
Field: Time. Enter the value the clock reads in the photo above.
10:49
